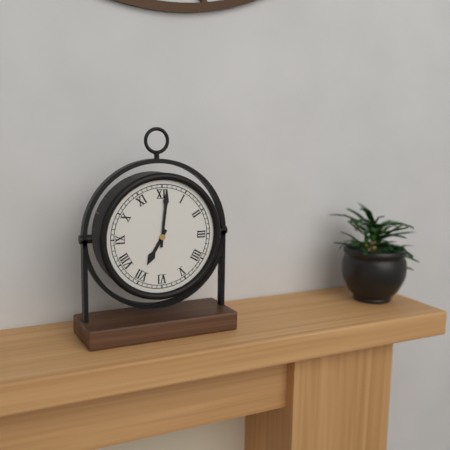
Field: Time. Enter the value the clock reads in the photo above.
7:01
